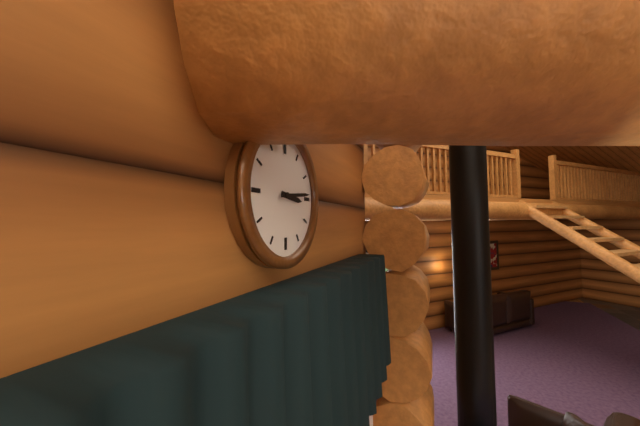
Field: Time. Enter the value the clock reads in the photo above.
3:14
